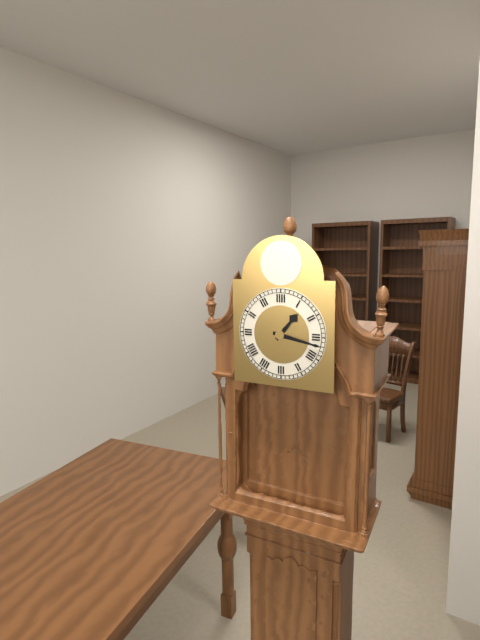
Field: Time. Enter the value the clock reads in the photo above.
1:17
